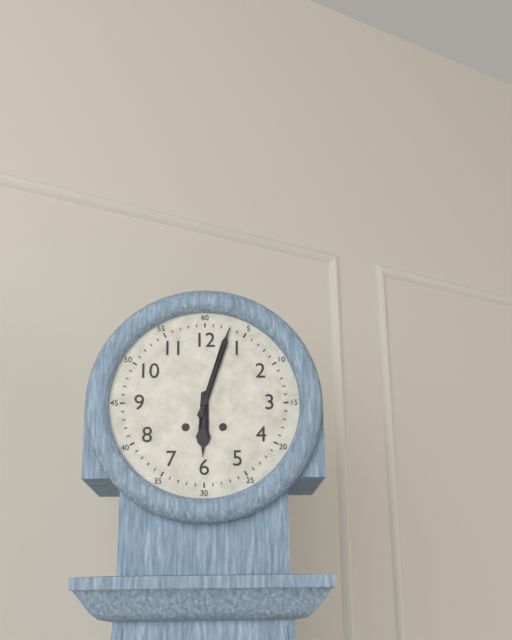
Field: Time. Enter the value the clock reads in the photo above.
6:03
